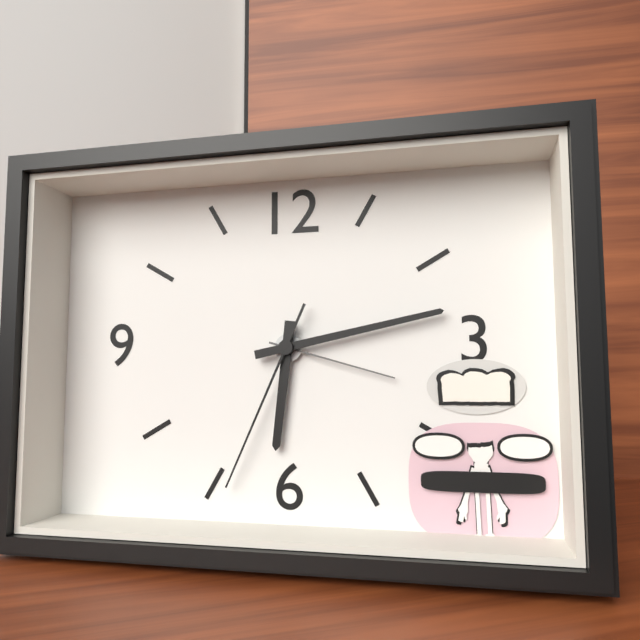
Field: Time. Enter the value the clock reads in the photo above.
6:13:34
